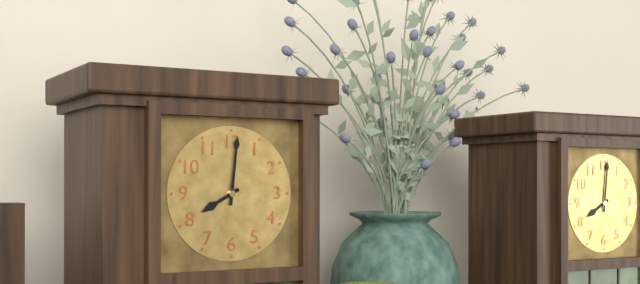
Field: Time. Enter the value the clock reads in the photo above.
8:01
